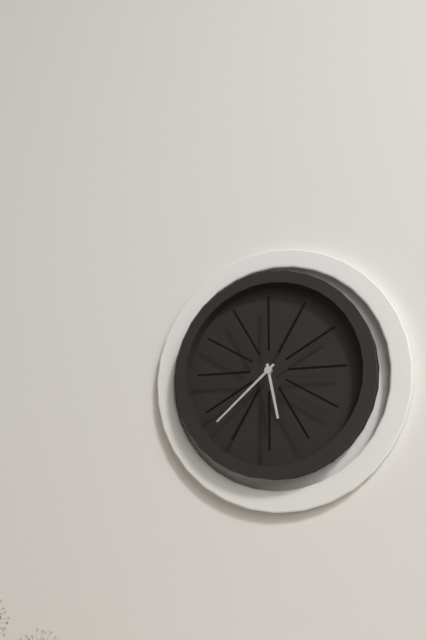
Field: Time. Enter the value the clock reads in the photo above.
5:38
